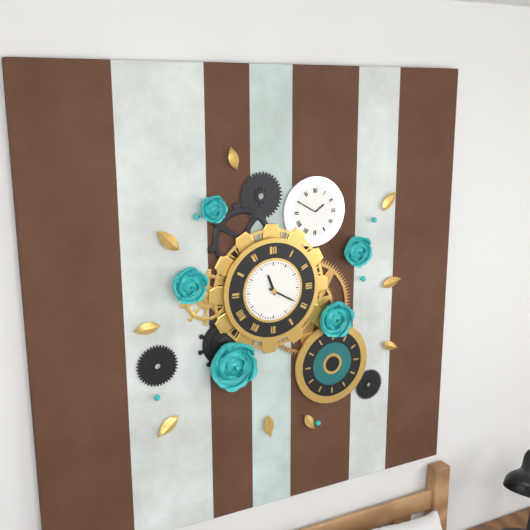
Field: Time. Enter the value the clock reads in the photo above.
11:20
